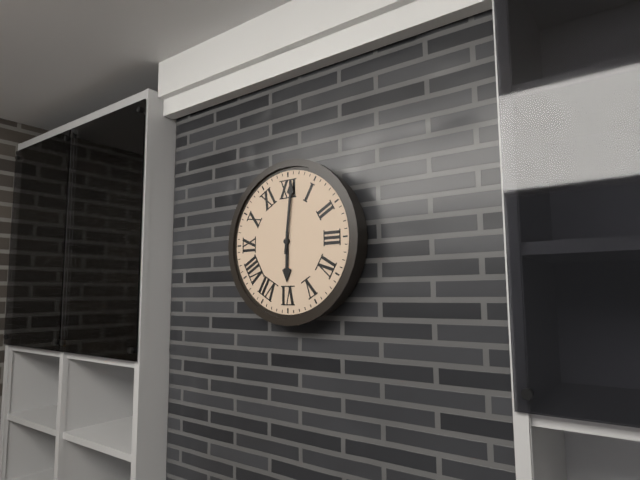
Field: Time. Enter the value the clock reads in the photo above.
6:01
